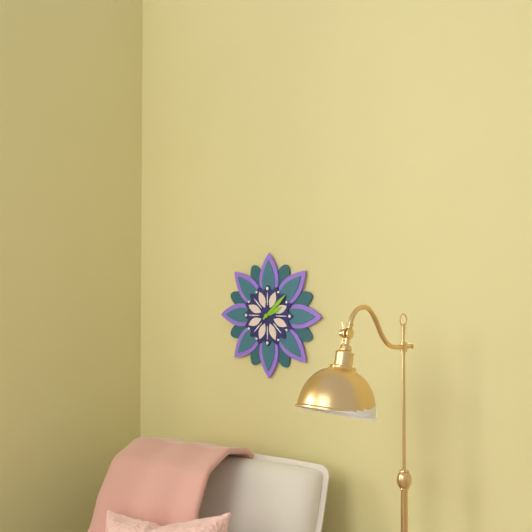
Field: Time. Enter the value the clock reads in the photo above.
2:08
